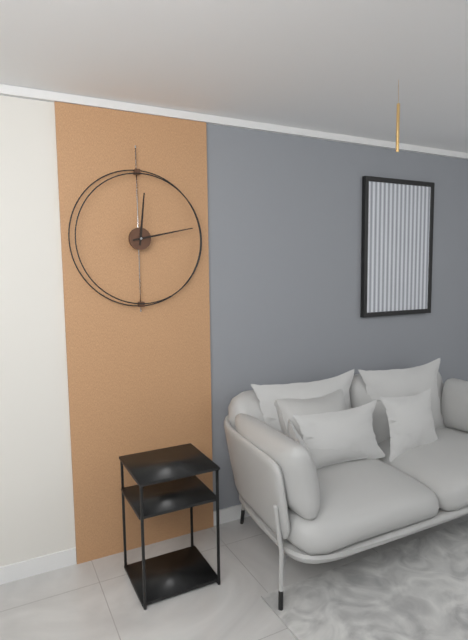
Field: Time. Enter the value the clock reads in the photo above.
12:13
